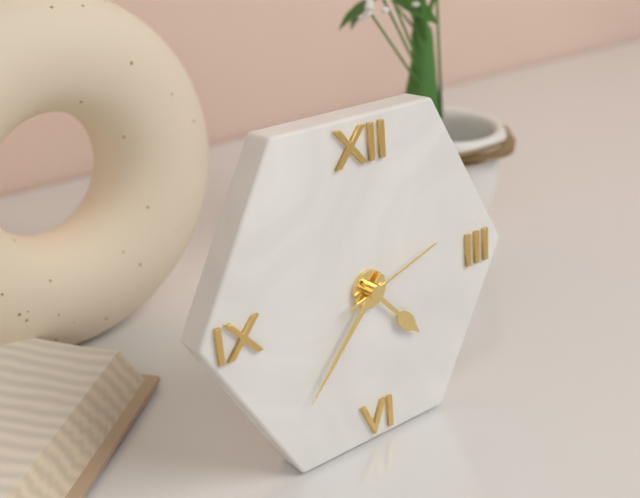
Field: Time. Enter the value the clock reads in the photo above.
4:37:12
